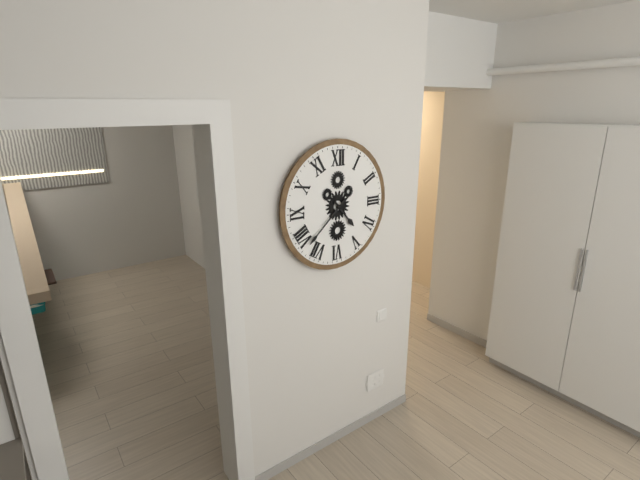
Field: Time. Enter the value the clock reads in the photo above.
4:38
